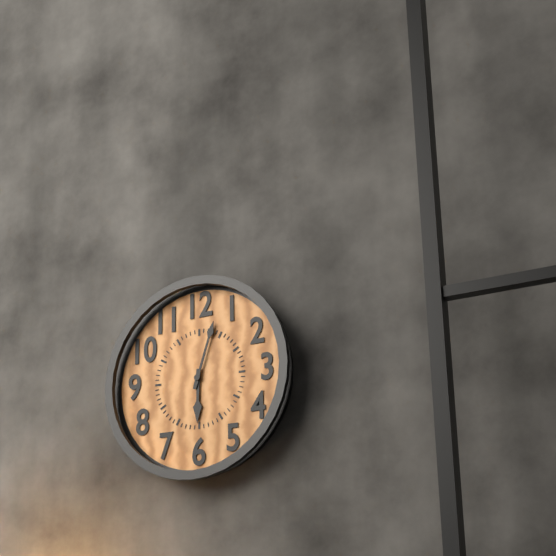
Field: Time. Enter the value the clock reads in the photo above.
6:03
